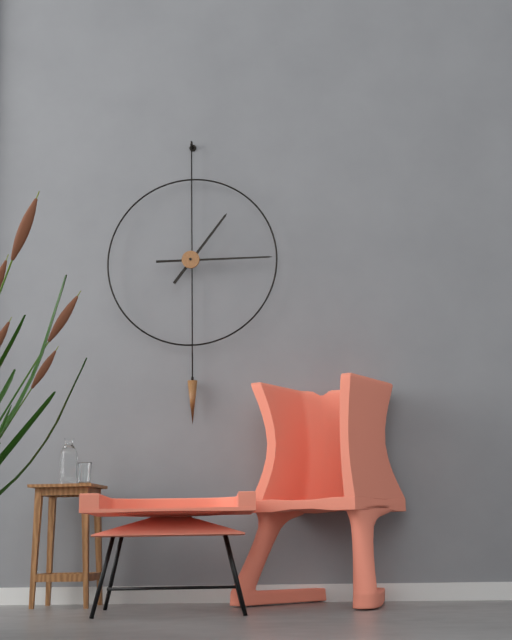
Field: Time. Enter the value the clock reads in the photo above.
1:15
